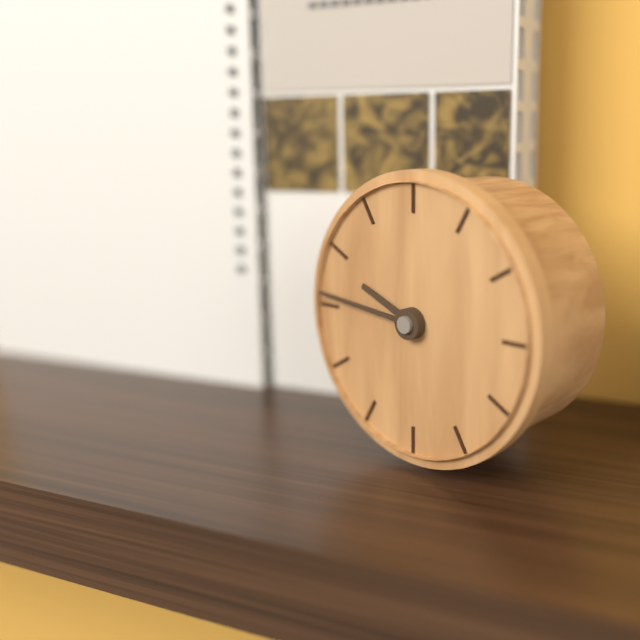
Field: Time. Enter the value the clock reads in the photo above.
9:46
